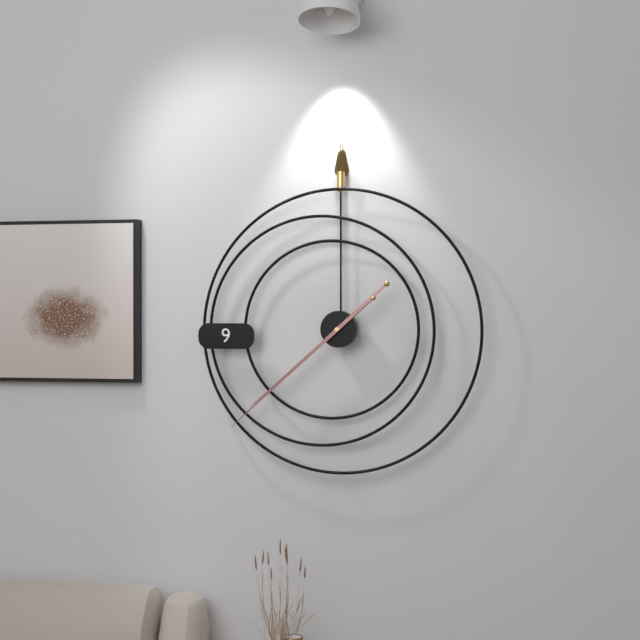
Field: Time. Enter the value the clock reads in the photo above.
7:38
